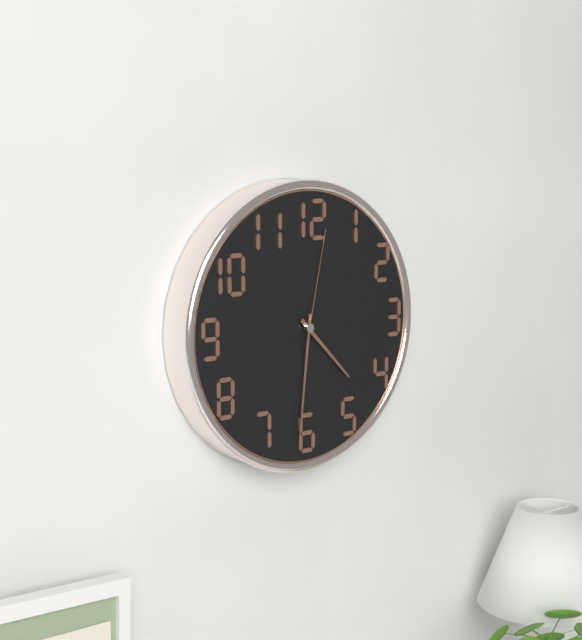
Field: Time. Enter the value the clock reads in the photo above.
4:31:02
